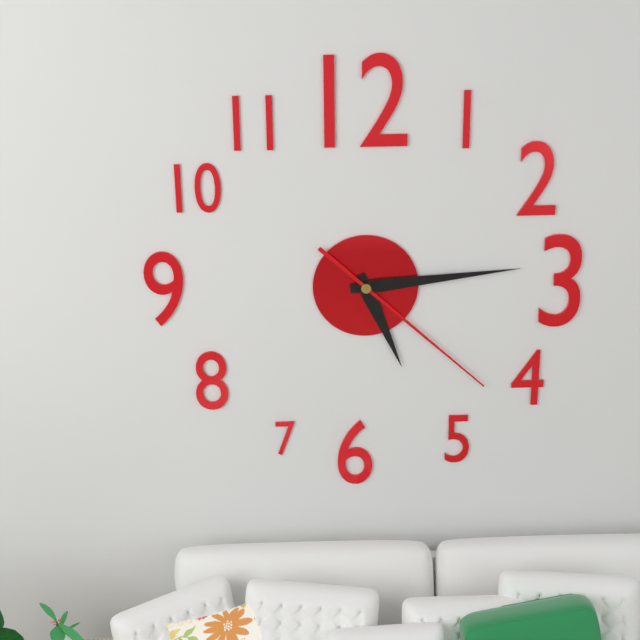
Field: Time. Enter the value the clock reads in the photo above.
5:14:22
